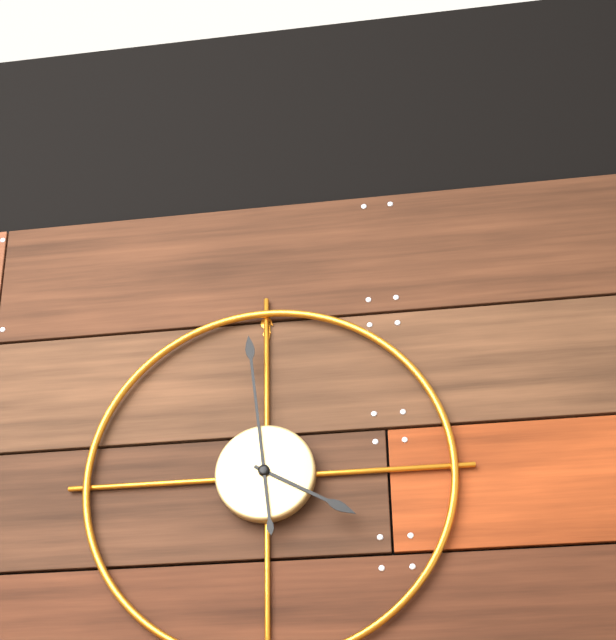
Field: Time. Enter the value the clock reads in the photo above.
3:59
